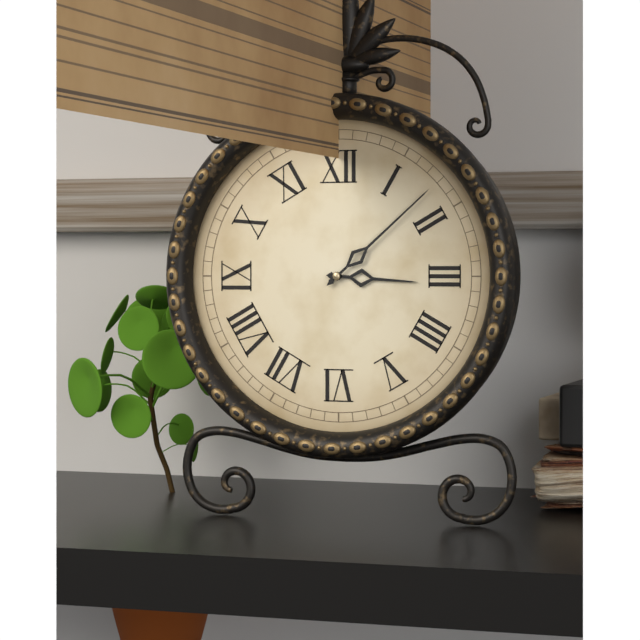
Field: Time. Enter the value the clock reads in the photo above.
3:08
